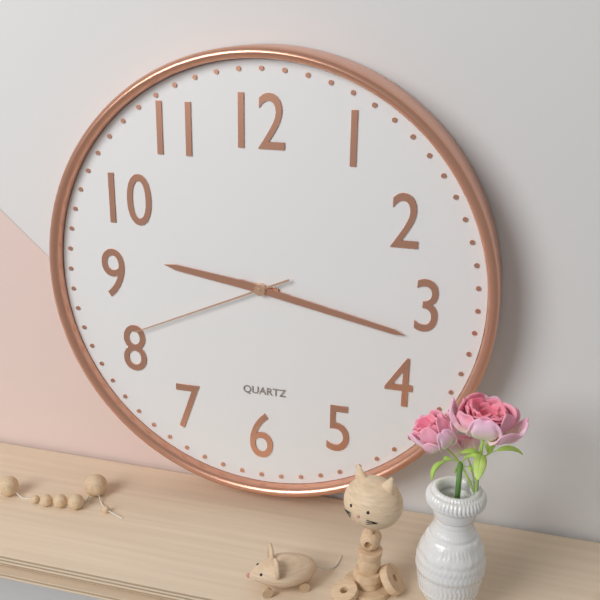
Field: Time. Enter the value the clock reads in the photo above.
9:17:41
